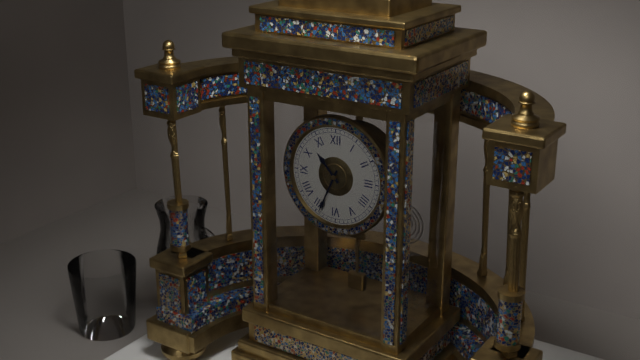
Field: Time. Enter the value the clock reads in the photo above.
10:34
